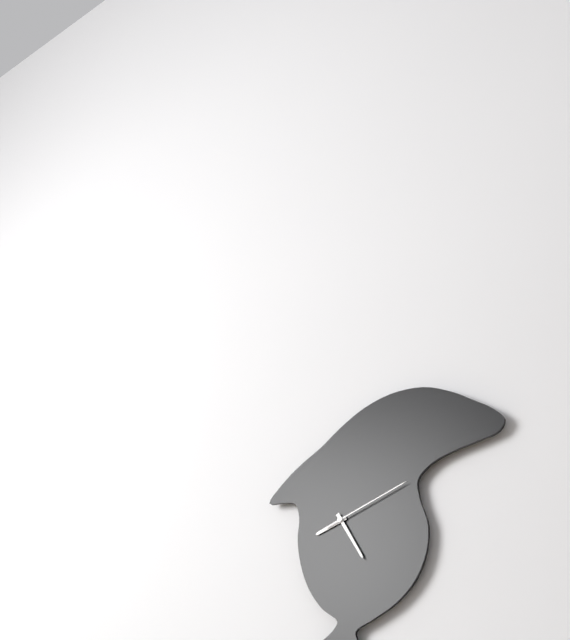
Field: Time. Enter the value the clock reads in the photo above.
8:25:12
